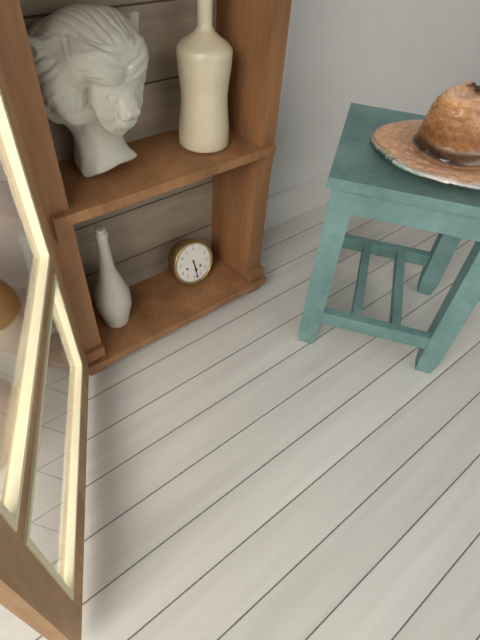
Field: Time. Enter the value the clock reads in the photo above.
5:28
